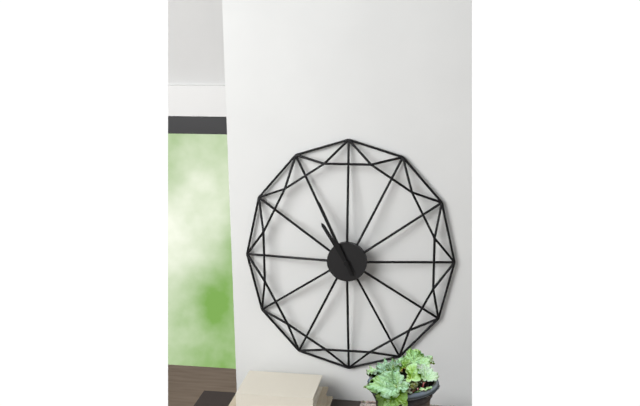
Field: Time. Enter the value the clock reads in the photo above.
10:56
